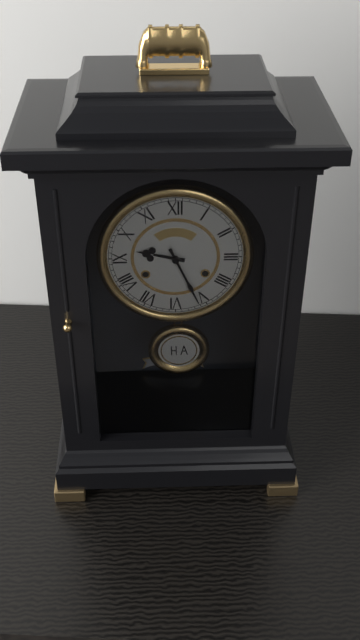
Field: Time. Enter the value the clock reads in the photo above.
9:26
